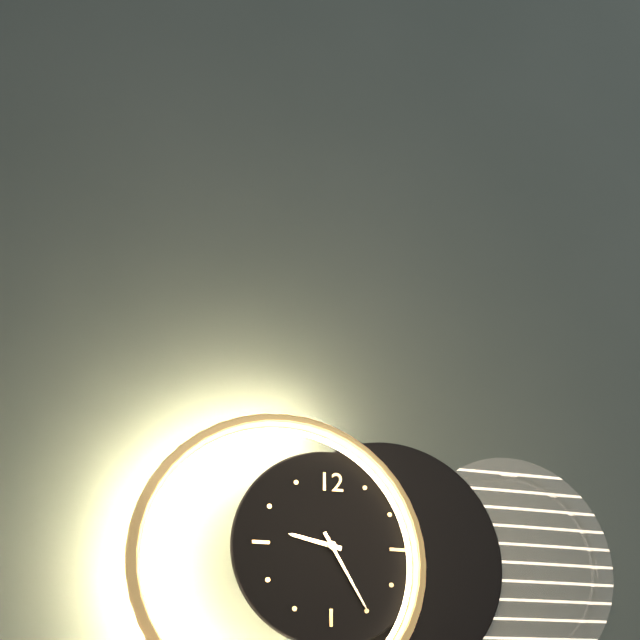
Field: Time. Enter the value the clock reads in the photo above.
9:25
